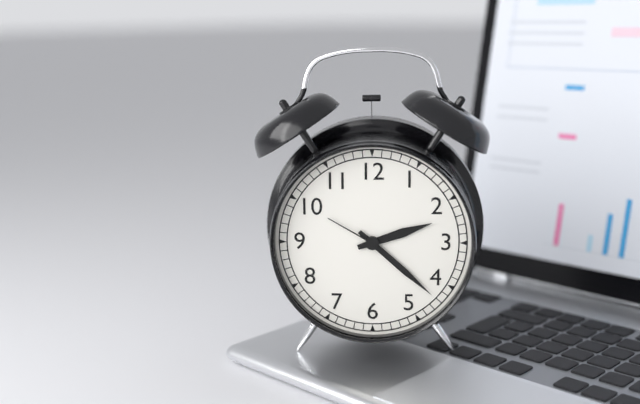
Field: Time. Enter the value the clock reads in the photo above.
2:22:50
